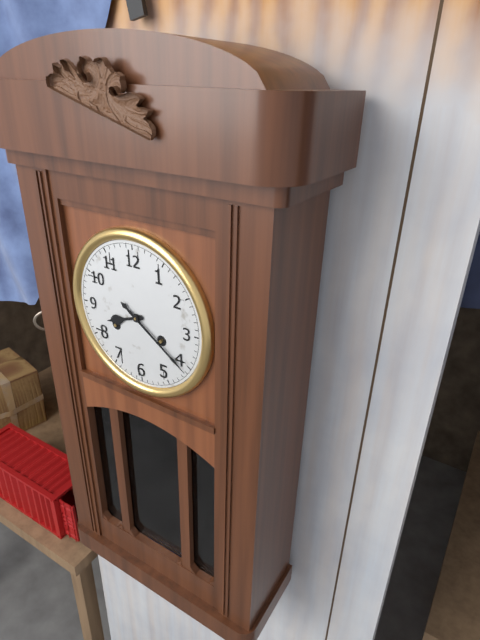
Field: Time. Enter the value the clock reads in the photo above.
8:21
